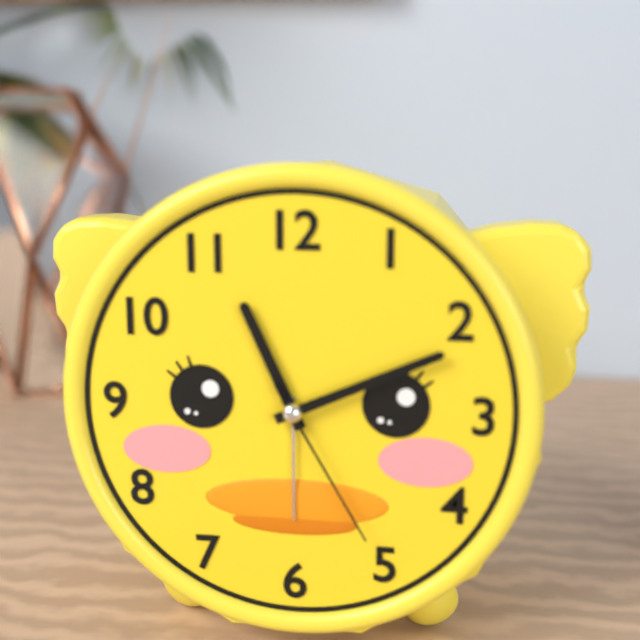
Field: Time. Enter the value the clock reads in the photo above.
11:11:25
